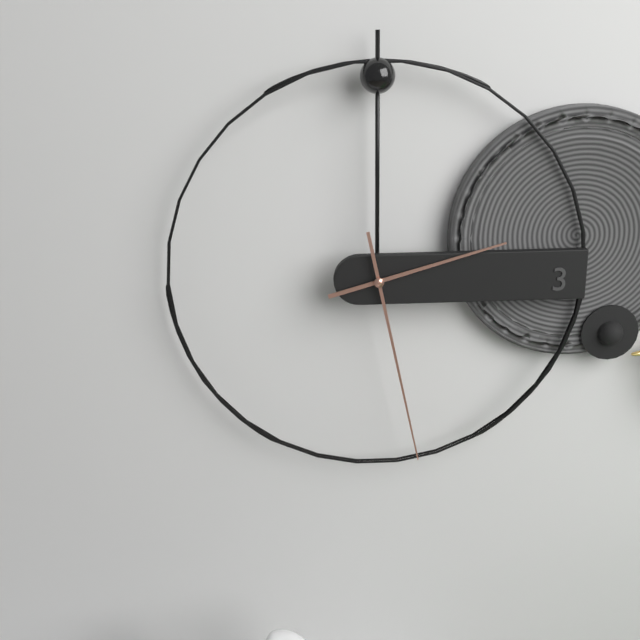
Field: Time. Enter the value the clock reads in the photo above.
2:28
